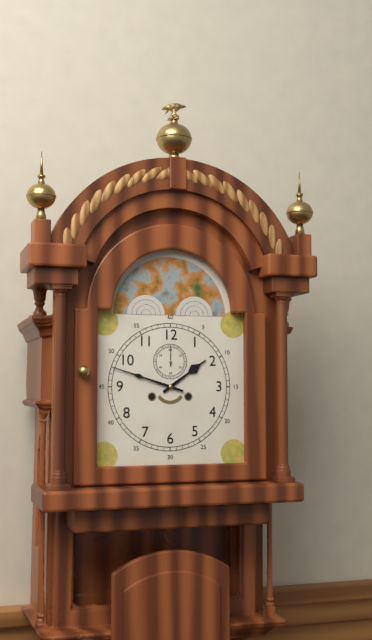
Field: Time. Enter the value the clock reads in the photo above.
1:48
